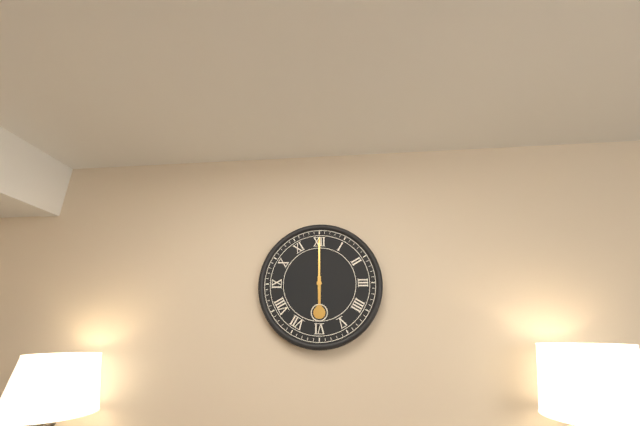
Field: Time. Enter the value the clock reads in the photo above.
6:00
